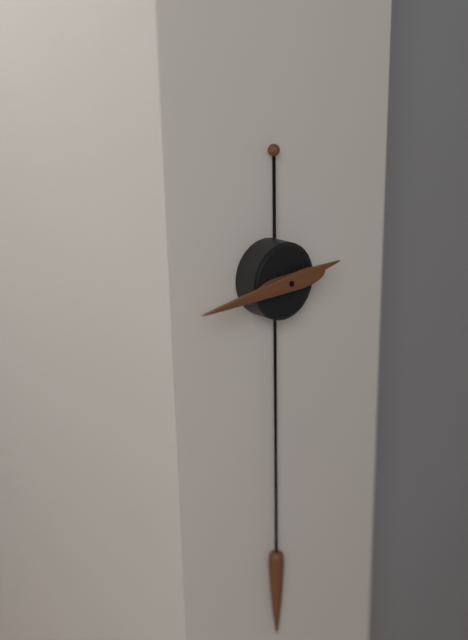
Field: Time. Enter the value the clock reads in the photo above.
2:44
